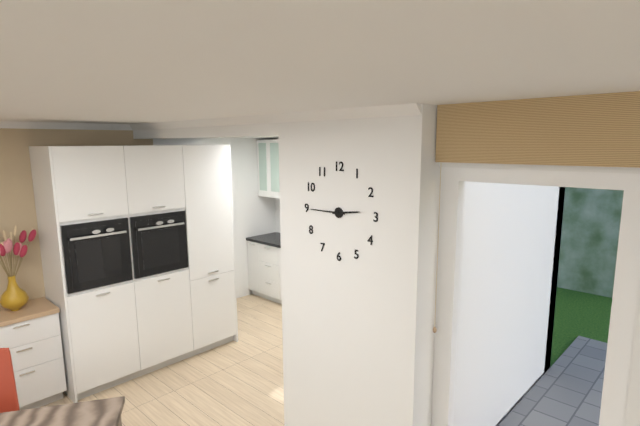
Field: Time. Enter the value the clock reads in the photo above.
2:45
